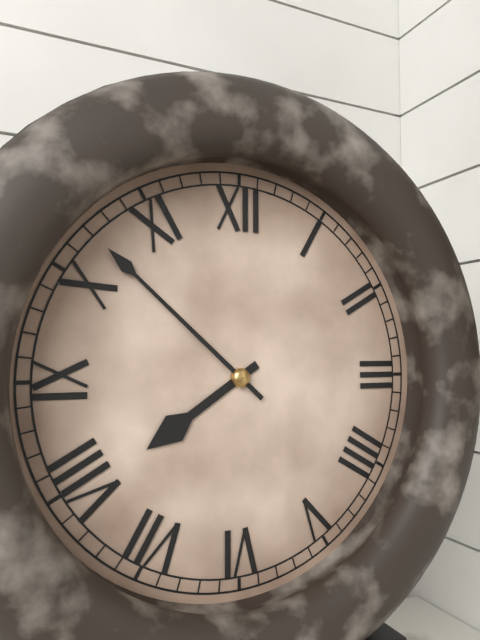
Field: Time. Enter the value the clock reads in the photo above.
7:52
